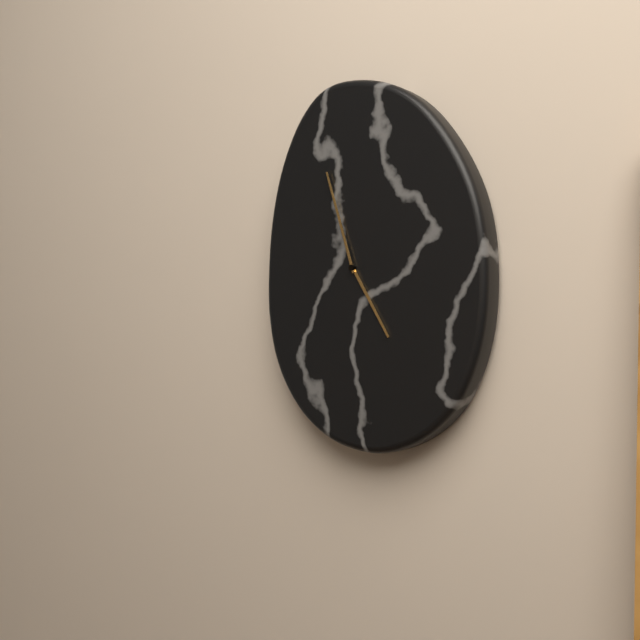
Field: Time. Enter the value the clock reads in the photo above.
4:57
